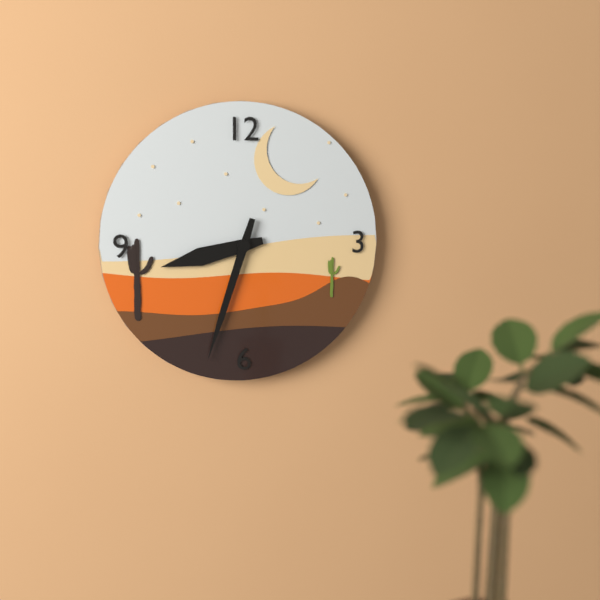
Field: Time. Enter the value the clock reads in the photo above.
8:33
